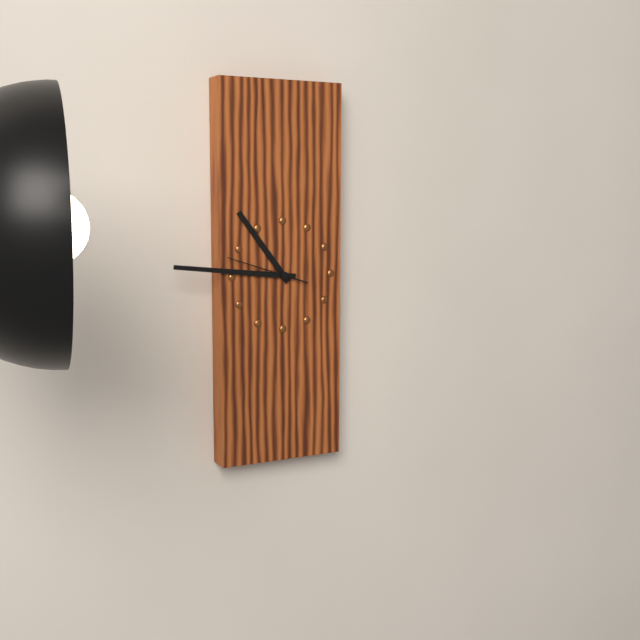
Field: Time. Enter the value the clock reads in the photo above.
10:46:48
